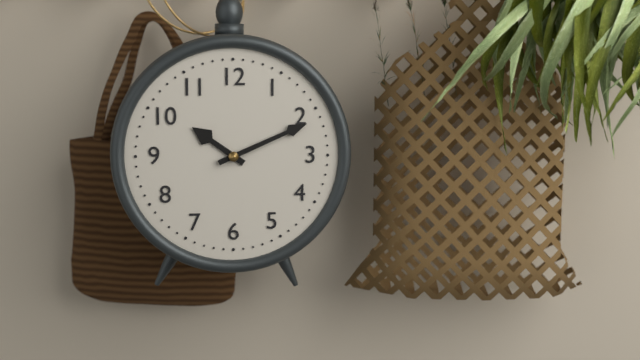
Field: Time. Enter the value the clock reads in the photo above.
10:11
